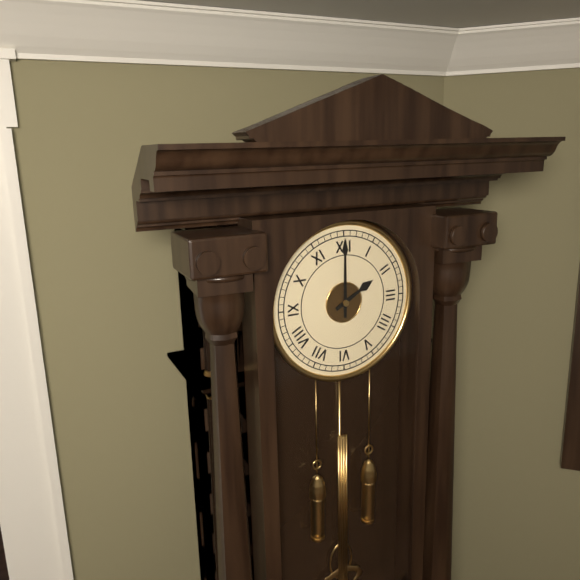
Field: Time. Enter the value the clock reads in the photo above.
2:00
